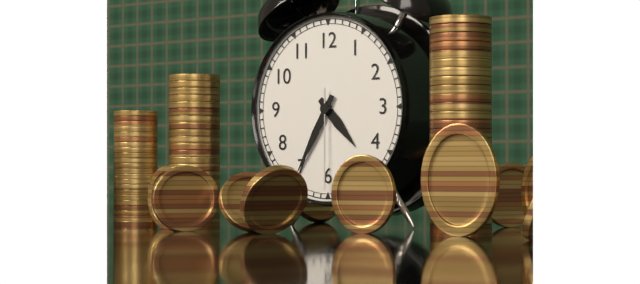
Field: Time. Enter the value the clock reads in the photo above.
4:35:30
